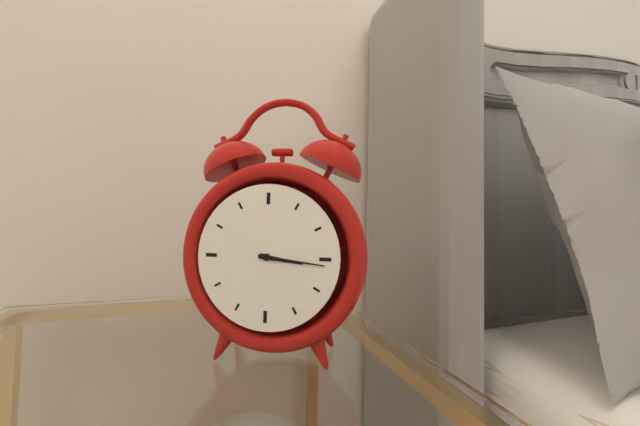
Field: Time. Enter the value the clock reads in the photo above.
3:16
